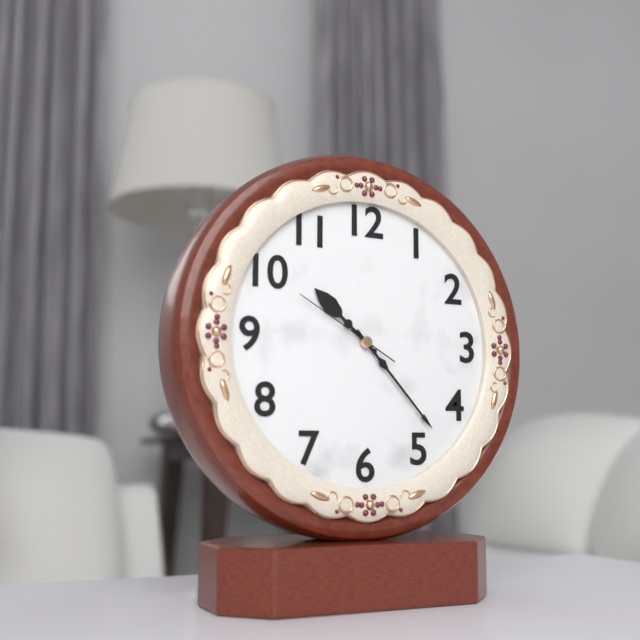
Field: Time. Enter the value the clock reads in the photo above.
10:23:50
